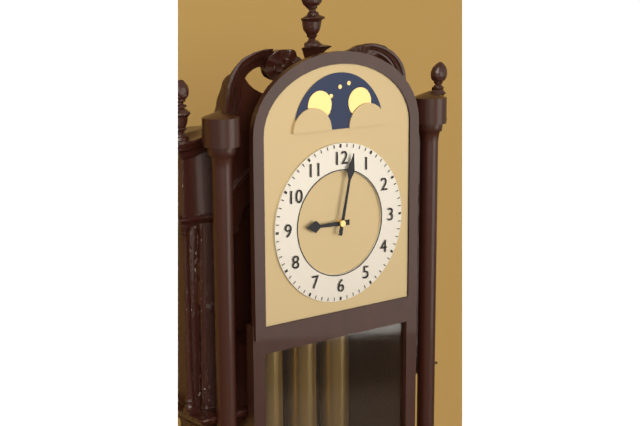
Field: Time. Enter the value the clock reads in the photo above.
9:02
